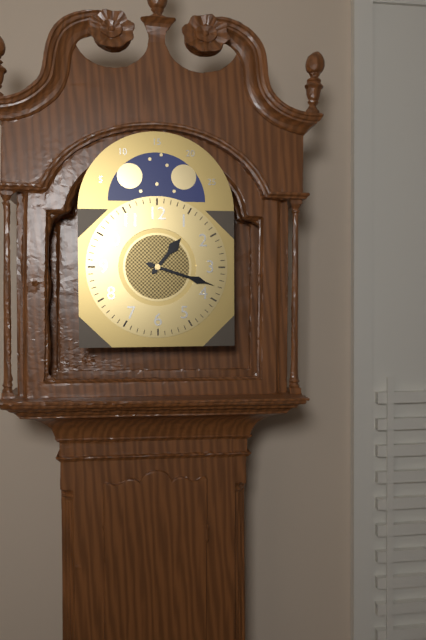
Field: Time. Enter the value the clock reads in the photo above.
1:18
